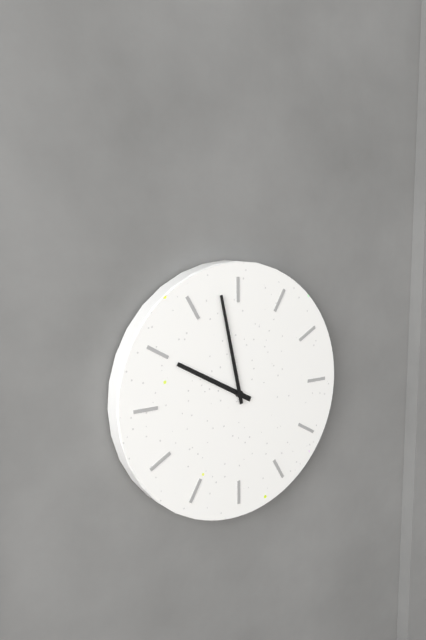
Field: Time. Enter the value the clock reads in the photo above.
9:58
